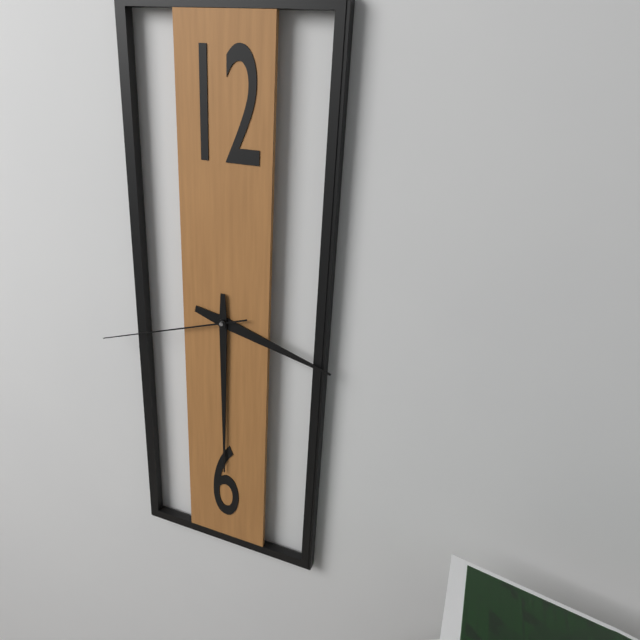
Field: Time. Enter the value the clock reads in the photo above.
3:30:42
